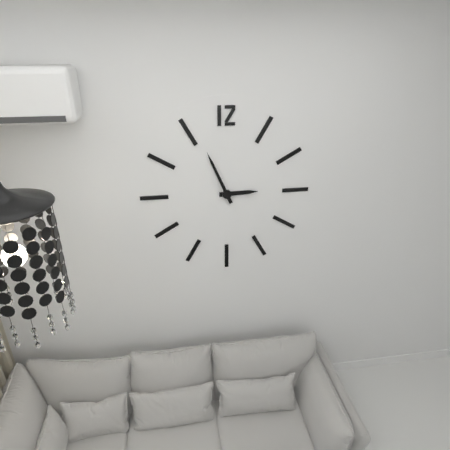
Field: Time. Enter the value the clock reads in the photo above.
2:56
